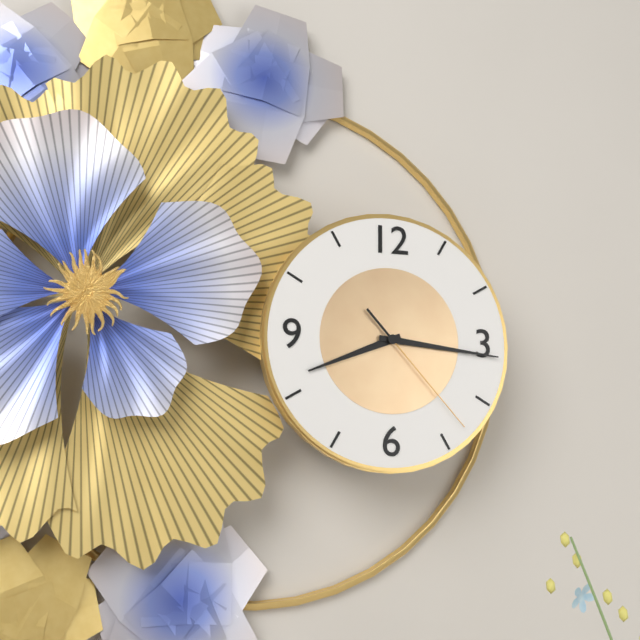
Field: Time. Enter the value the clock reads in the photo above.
8:16:23
